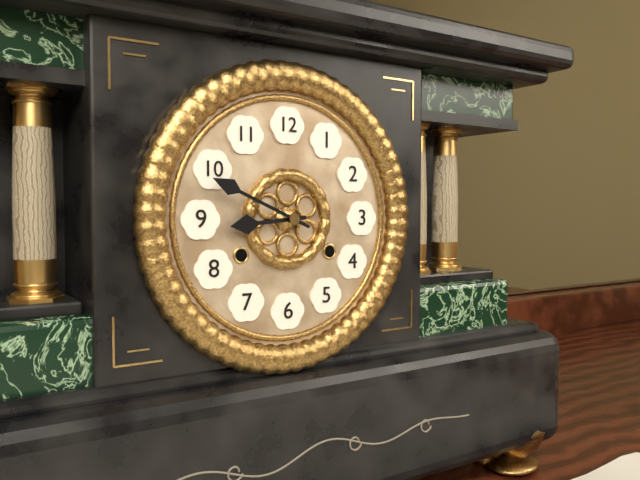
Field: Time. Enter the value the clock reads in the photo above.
8:49
